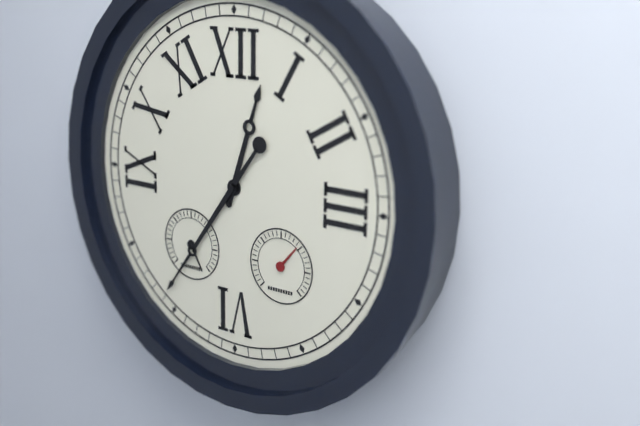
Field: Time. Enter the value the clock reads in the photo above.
12:36
